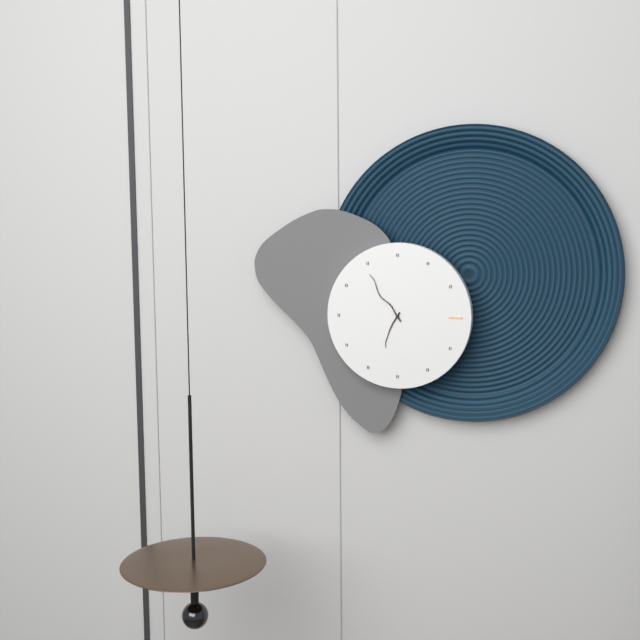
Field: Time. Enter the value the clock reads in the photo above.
6:54
